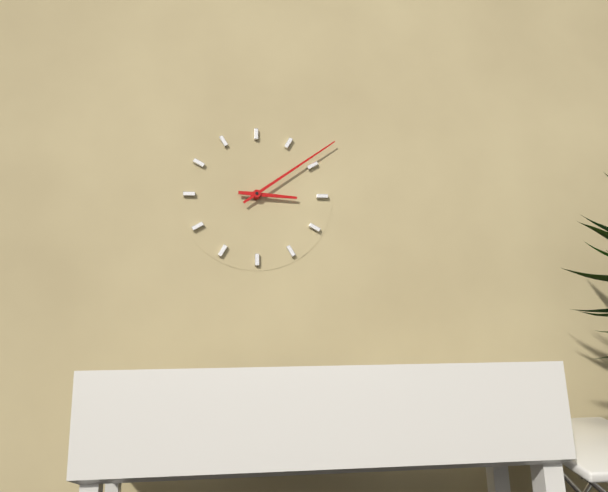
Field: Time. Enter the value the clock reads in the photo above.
3:09
